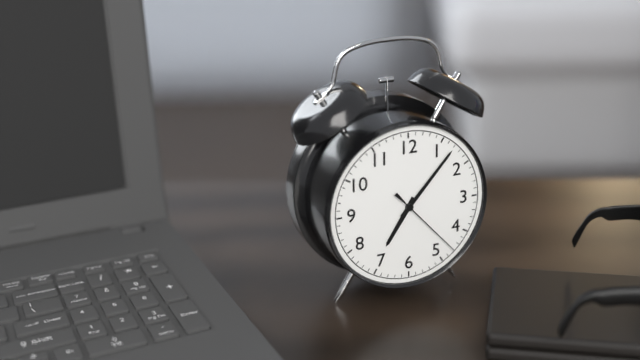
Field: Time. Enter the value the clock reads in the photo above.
7:07:23
